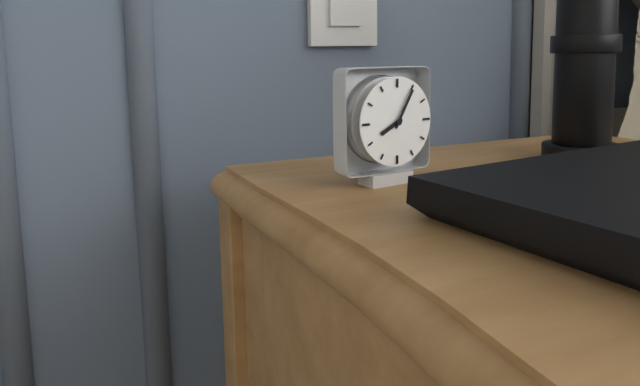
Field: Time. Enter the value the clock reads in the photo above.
8:05
